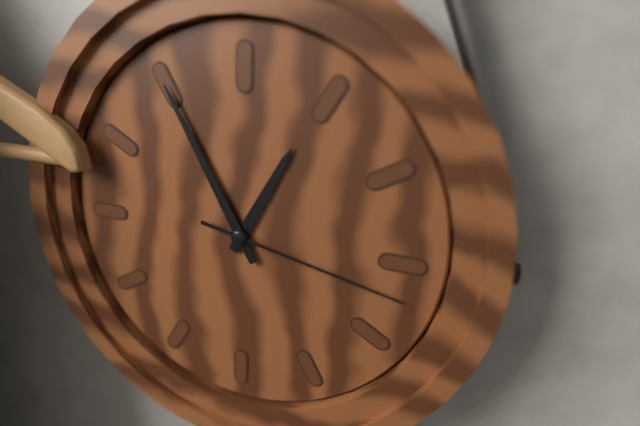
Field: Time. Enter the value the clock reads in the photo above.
12:55:17
